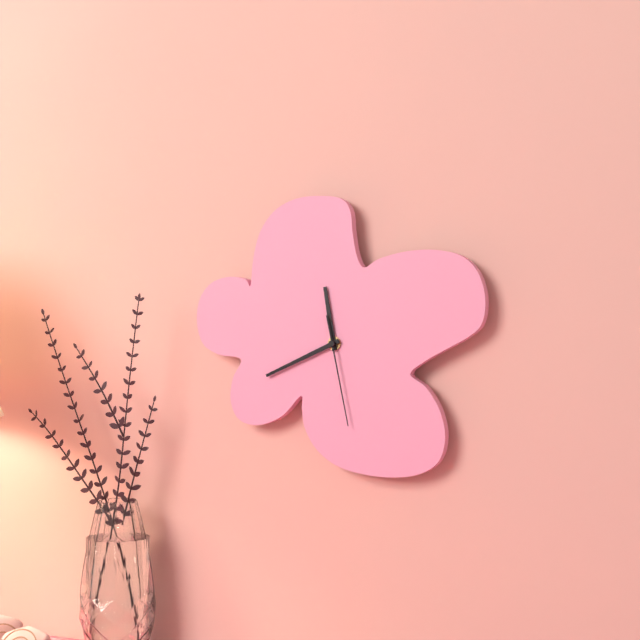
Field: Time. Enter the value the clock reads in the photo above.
11:41:28
